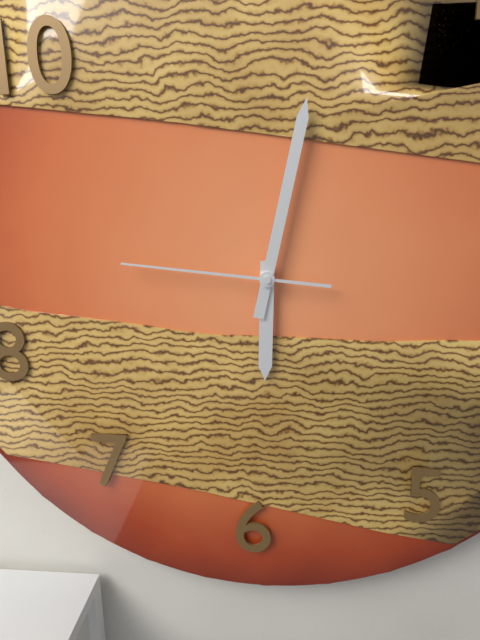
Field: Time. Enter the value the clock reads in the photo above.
6:02:46
